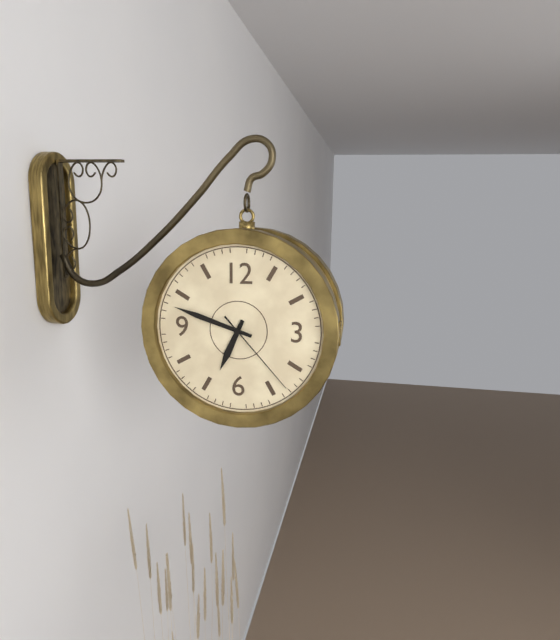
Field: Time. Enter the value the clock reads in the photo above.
6:48:23
